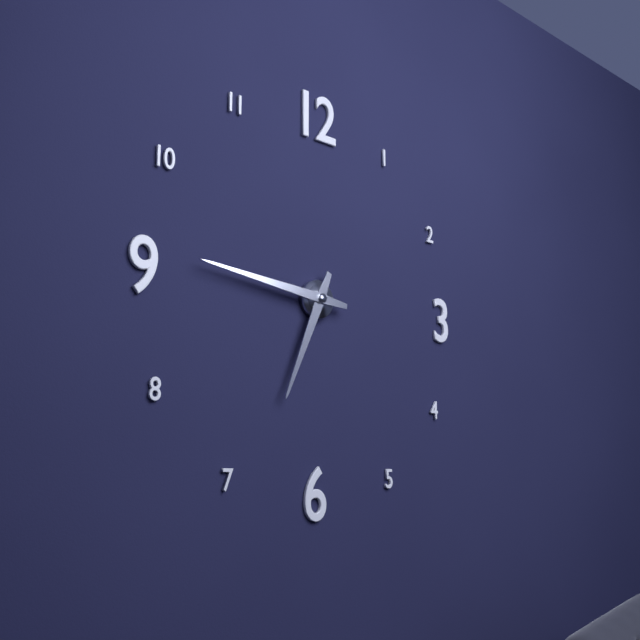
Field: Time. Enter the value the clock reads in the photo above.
6:46
